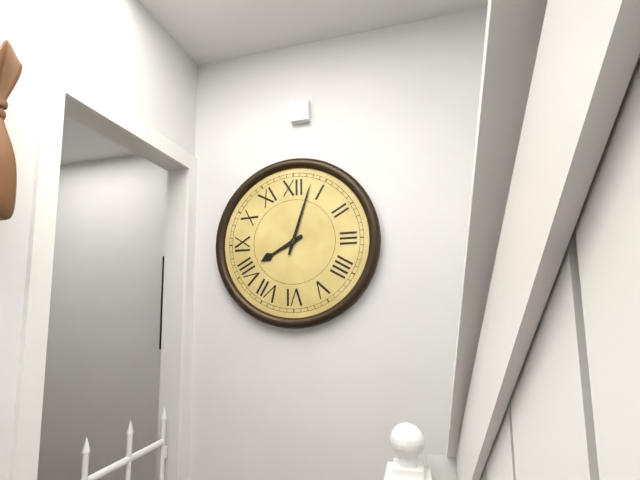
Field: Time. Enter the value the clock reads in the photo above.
8:03
